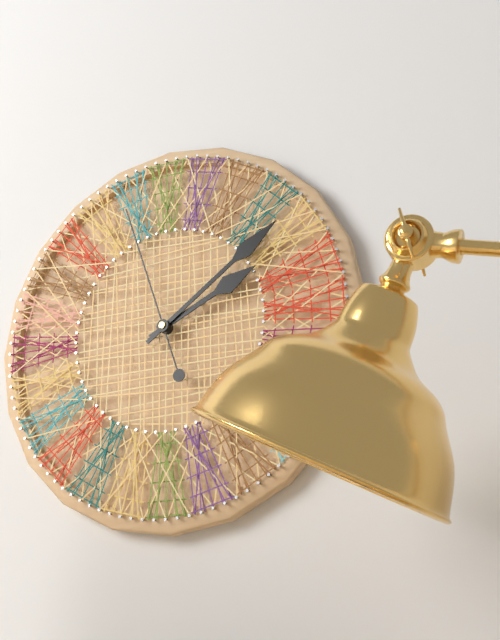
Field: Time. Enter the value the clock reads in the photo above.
2:09:57
